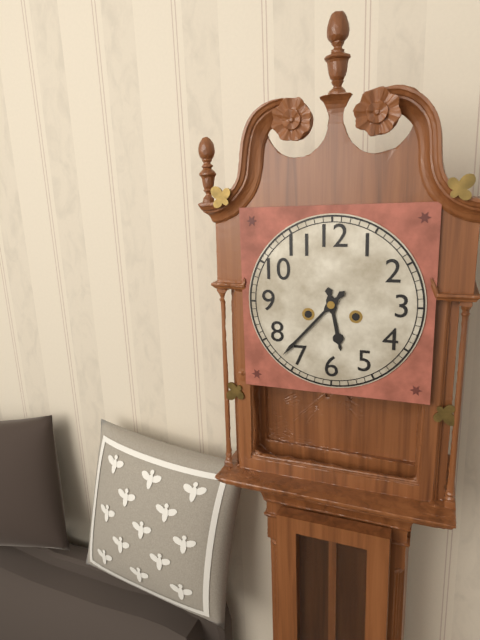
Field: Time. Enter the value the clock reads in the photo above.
5:37
